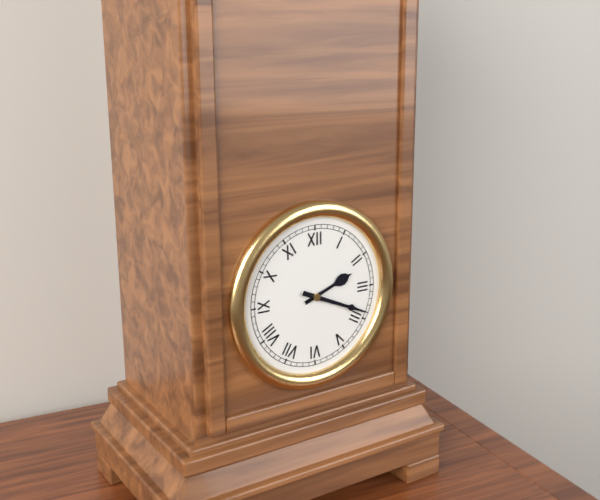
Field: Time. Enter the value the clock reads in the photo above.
2:19
